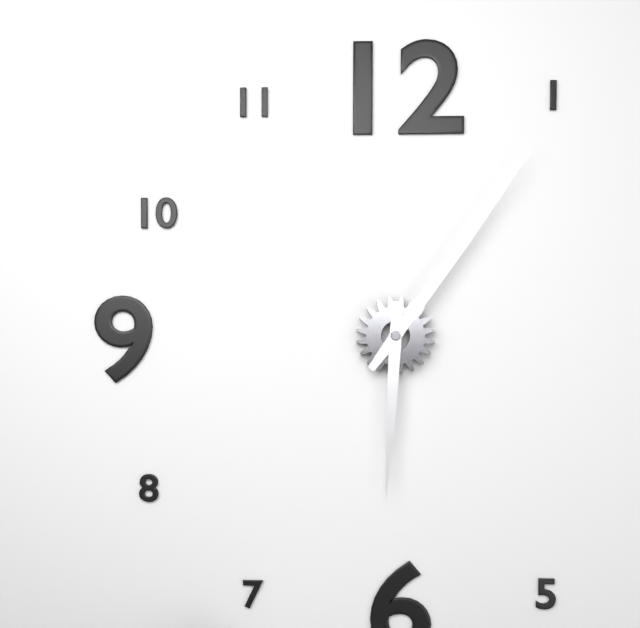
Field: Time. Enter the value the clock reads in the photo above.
6:06
